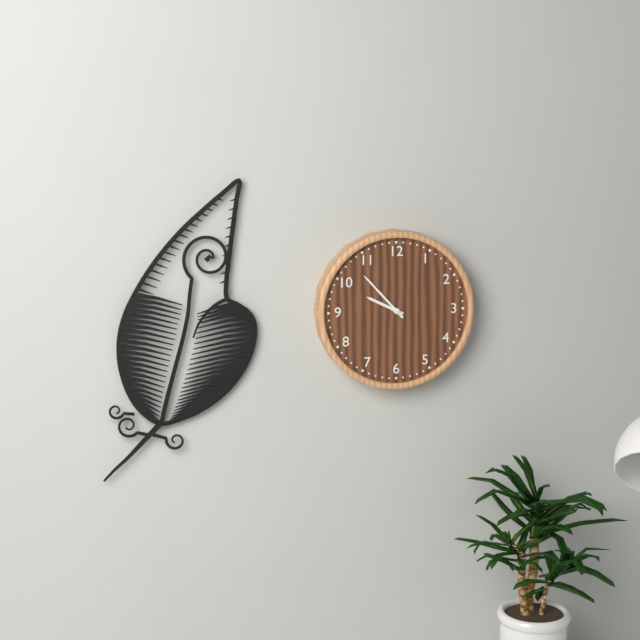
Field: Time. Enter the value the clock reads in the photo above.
9:53
